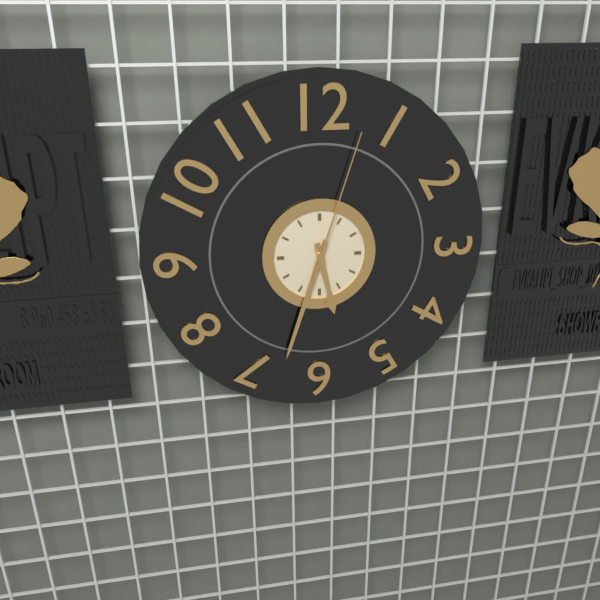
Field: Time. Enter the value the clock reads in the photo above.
5:33:03
